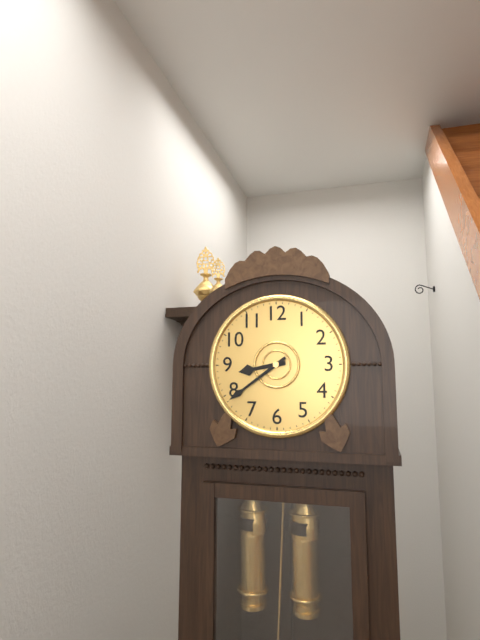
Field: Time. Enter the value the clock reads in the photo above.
8:39
